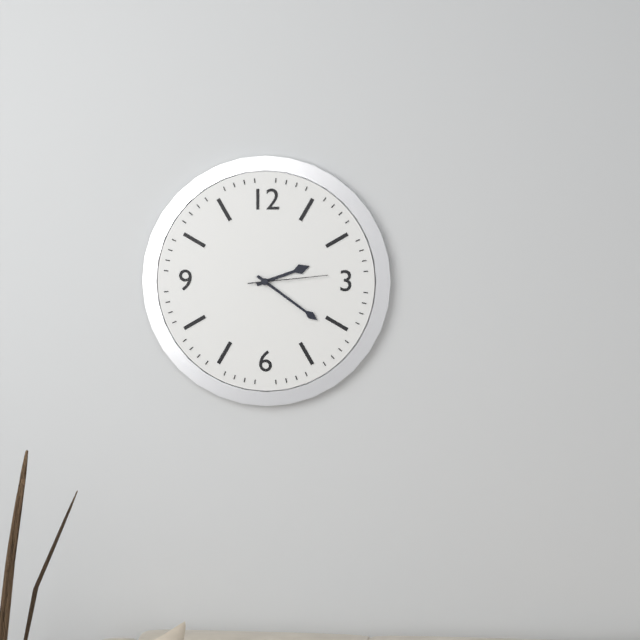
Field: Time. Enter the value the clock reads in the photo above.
2:21:14
